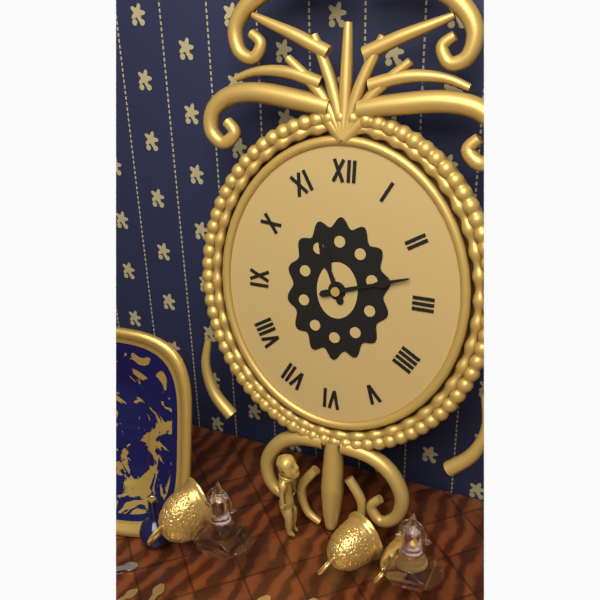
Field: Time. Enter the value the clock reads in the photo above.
11:12
